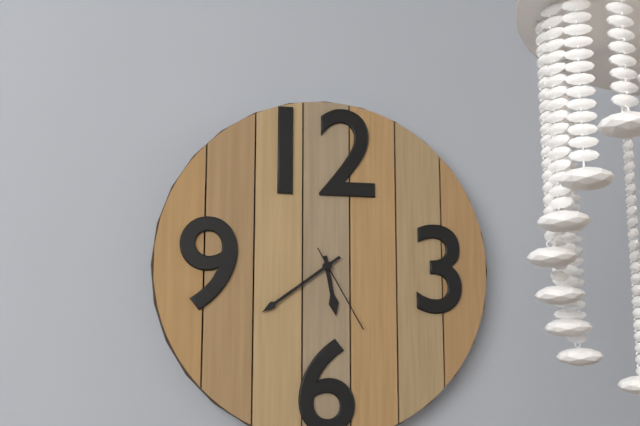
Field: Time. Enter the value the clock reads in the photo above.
5:39:25
